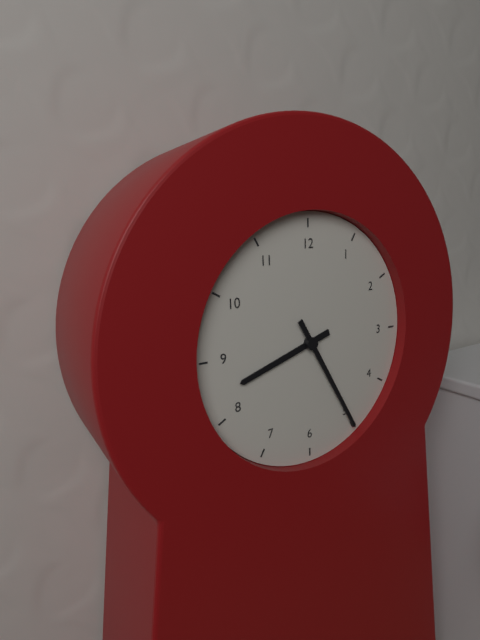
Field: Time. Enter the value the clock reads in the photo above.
8:25
